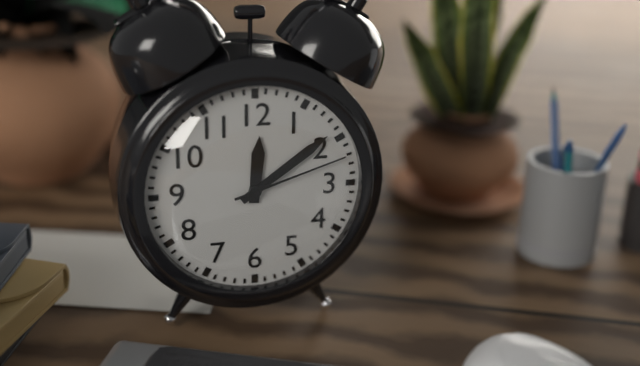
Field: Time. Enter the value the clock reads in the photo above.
12:09:12
